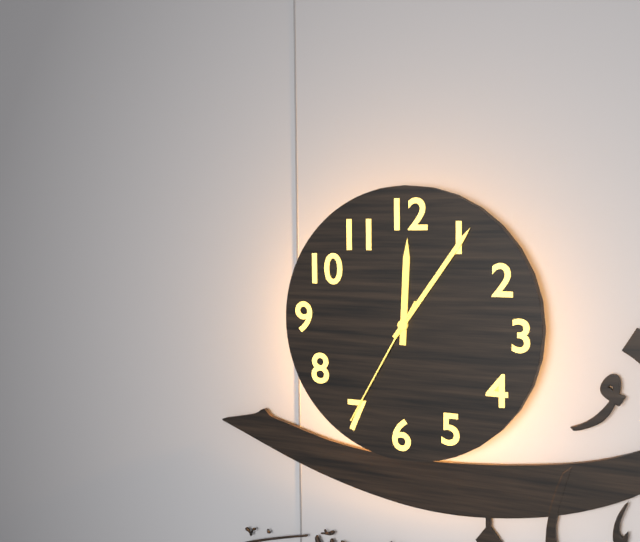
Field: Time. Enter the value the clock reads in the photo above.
12:06:35
